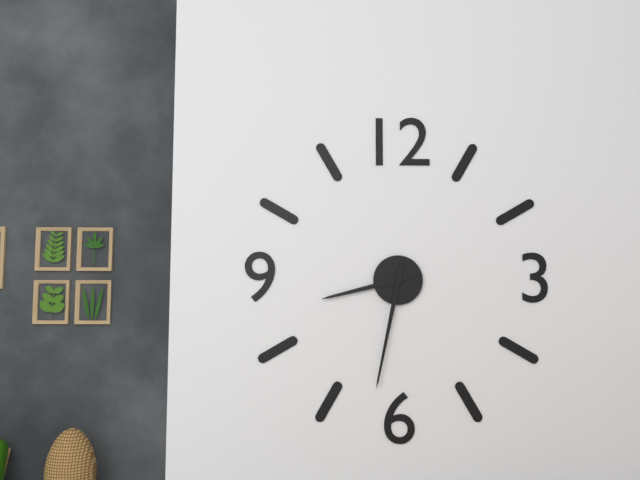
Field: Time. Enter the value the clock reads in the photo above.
8:32
